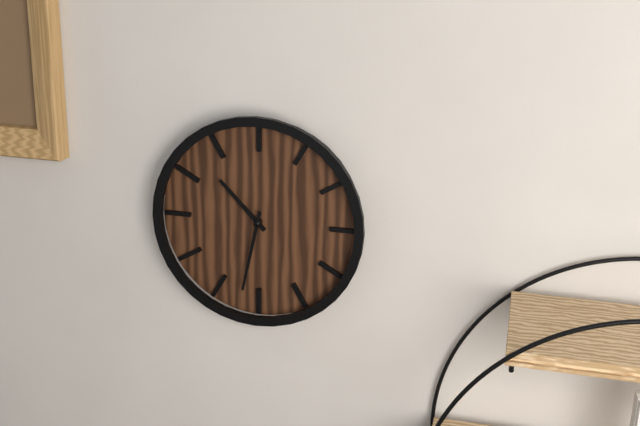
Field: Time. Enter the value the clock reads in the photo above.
10:32
